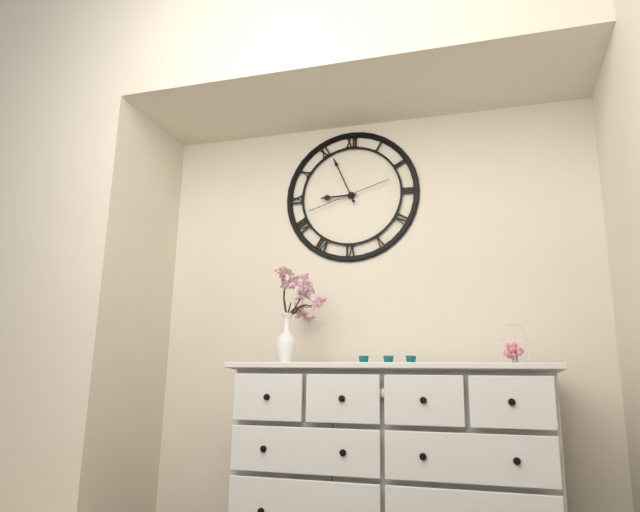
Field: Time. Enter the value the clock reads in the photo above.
8:56:42
